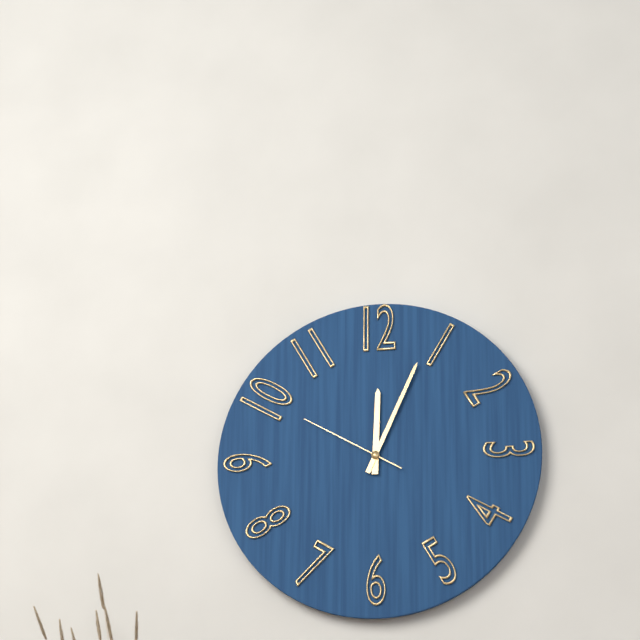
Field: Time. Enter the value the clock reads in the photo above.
12:04:50
